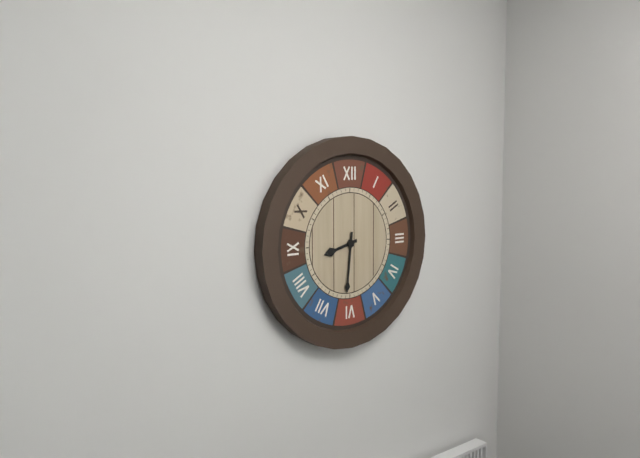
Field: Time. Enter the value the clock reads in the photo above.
8:31
